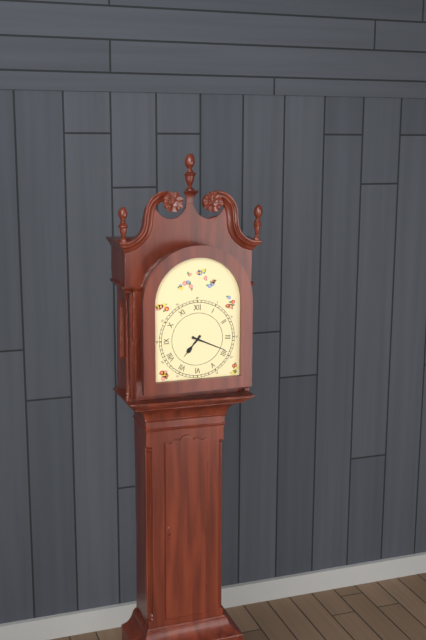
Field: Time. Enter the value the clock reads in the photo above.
7:19
